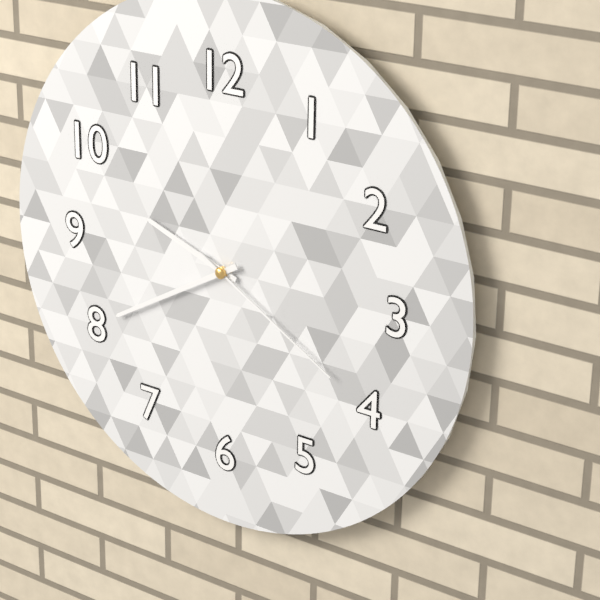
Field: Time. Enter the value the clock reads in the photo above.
9:40:20
